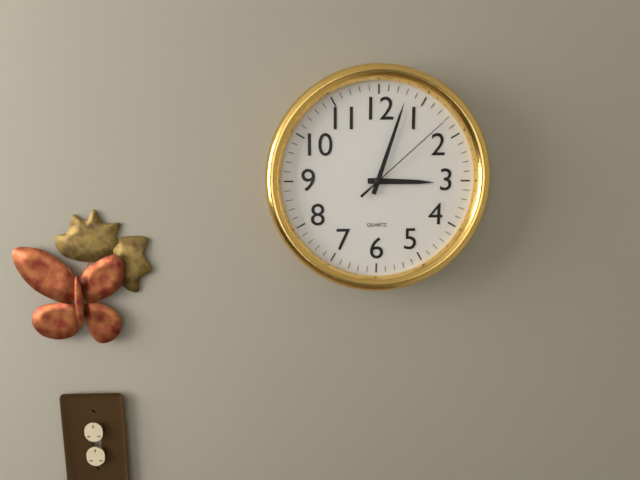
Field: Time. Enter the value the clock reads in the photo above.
3:03:08
